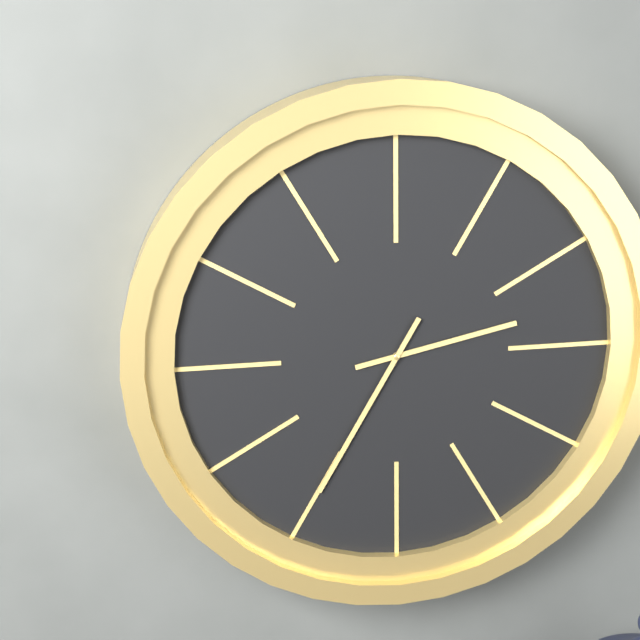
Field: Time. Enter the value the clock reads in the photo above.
2:35
